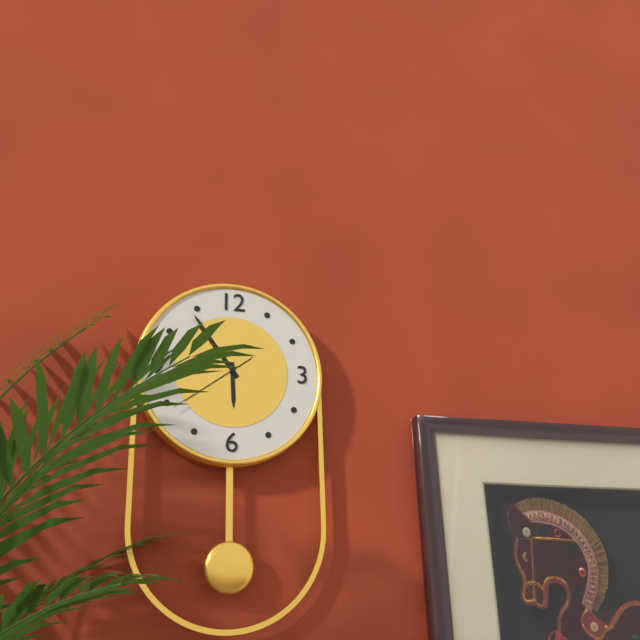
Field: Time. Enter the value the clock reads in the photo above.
5:54:39
